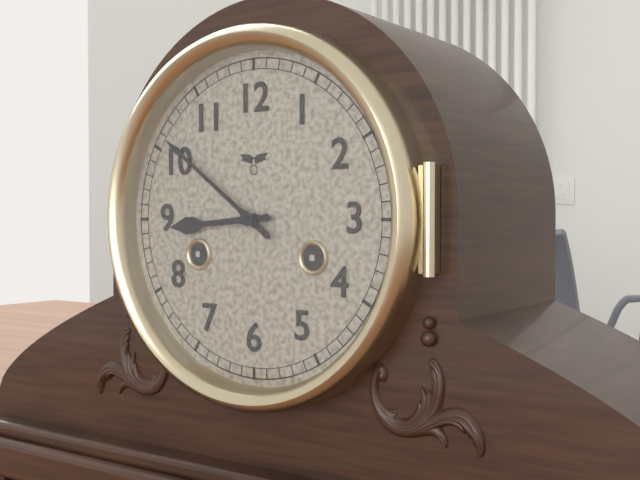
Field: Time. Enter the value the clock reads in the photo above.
8:51
